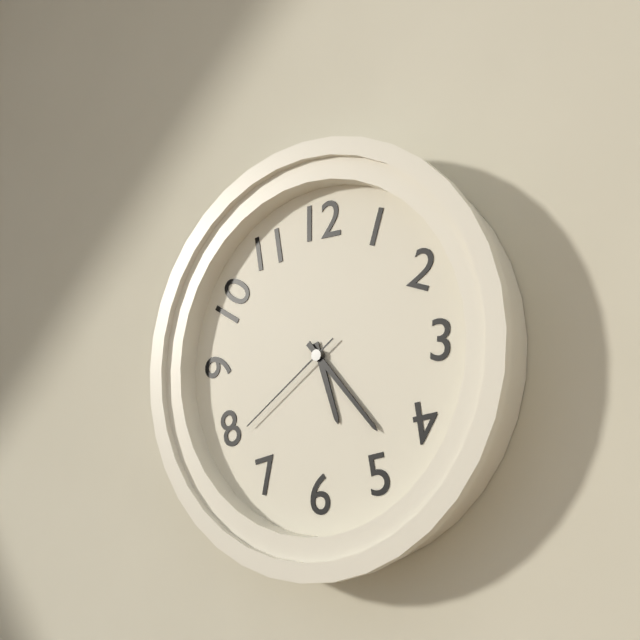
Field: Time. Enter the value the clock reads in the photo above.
5:23:39
